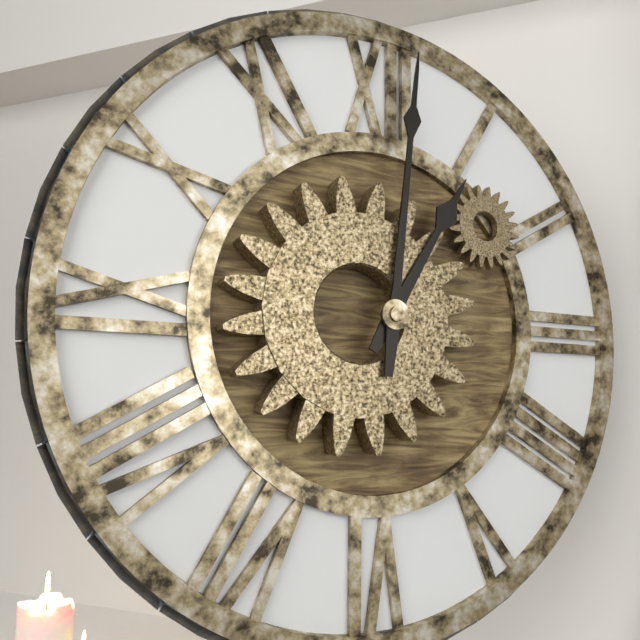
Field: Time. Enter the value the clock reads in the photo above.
1:01
